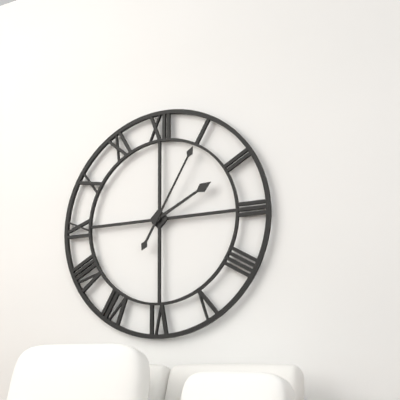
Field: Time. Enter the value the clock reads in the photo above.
2:05
